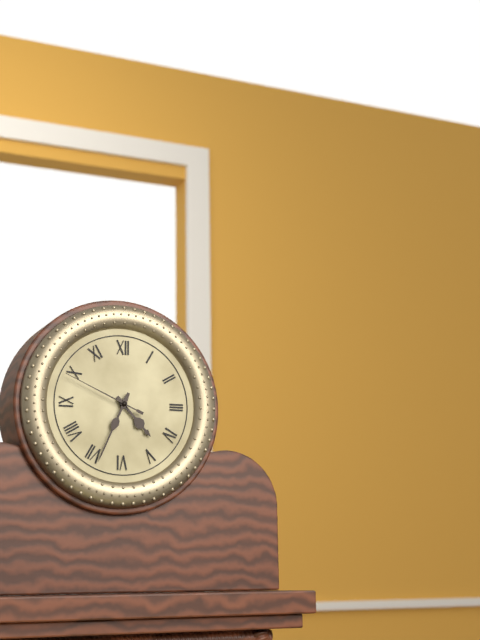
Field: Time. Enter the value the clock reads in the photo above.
4:34:49
